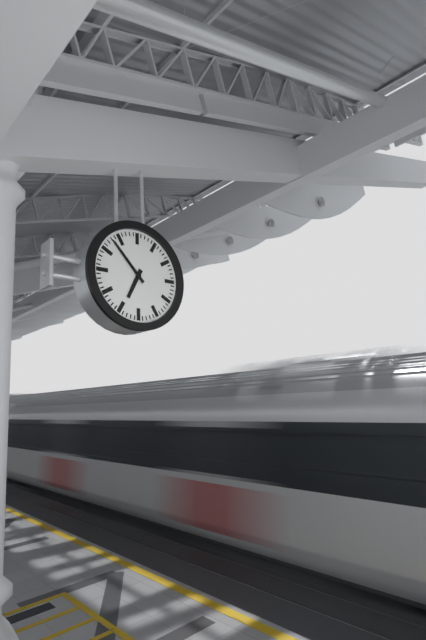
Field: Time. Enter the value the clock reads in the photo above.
6:53
